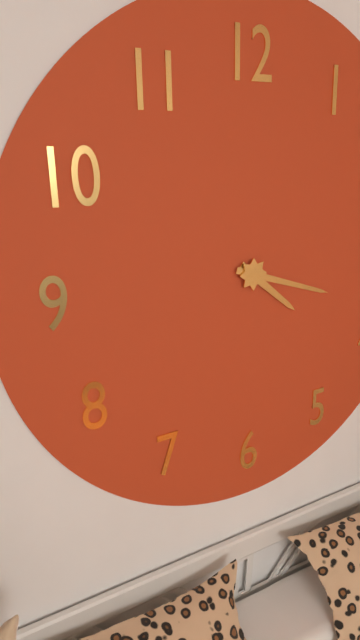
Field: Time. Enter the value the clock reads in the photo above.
4:18
